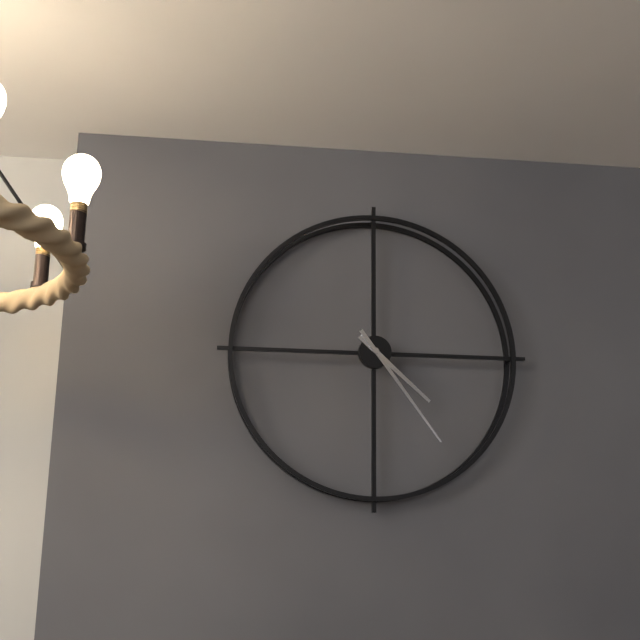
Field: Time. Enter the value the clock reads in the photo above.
4:24
